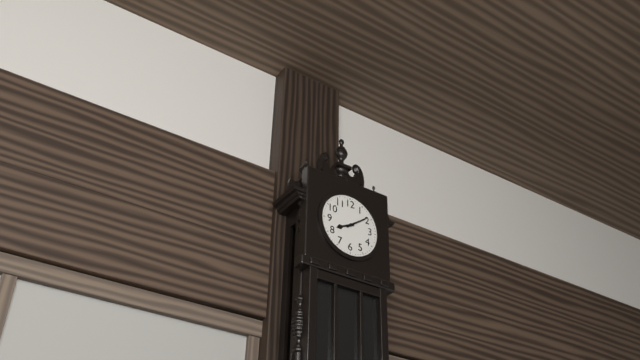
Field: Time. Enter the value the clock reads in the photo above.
8:09
